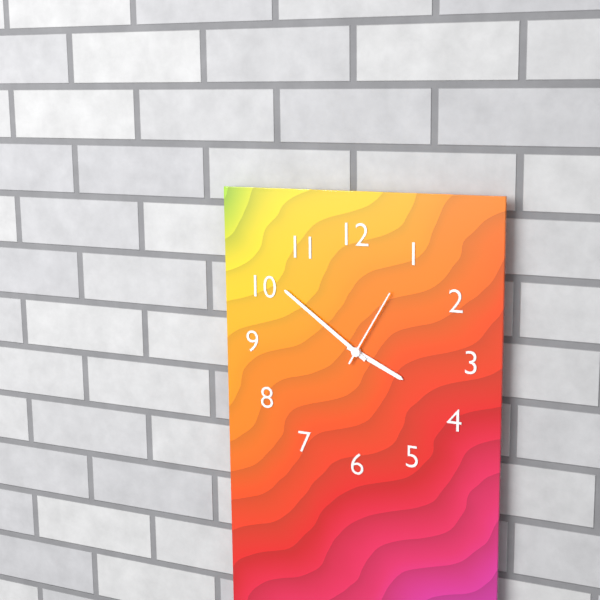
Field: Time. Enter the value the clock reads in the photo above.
3:51:05
